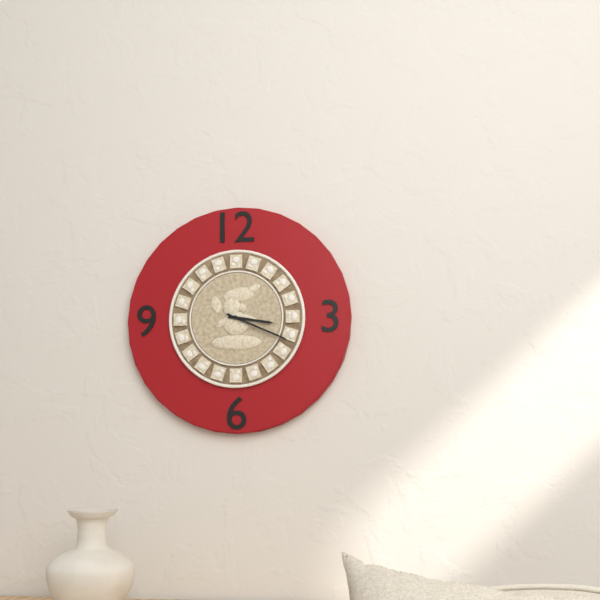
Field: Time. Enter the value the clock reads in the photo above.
3:19
